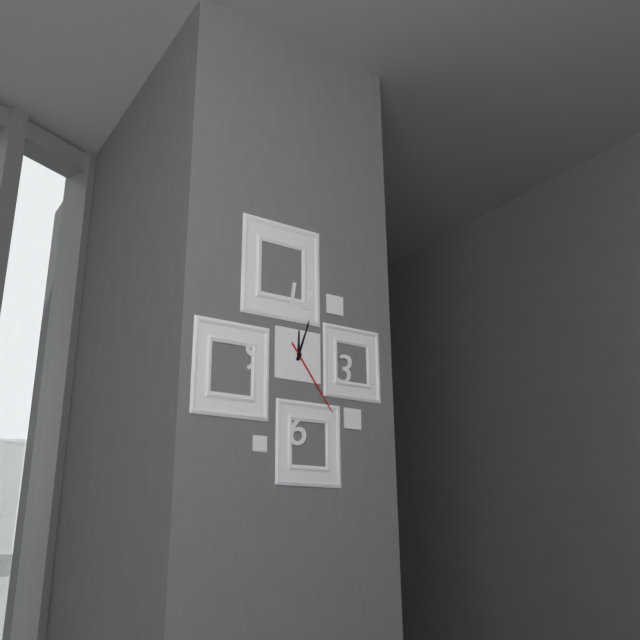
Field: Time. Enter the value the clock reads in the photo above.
12:03:24
